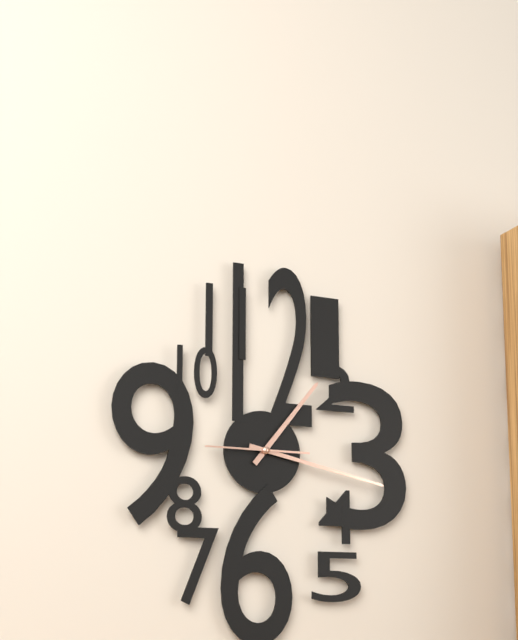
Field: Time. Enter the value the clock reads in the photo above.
1:17:45
